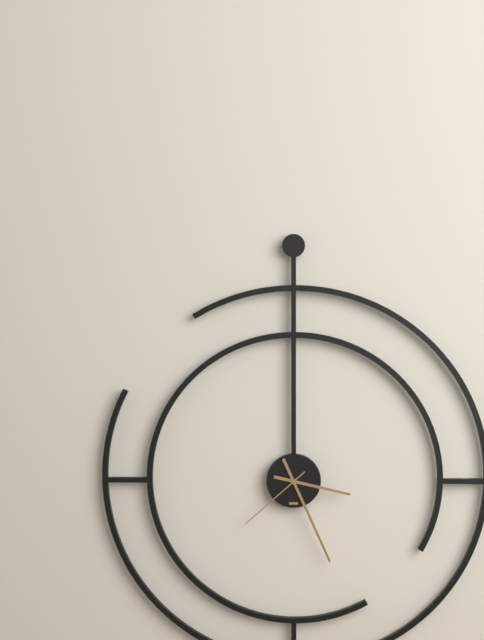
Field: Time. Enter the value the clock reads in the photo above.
3:26:38
